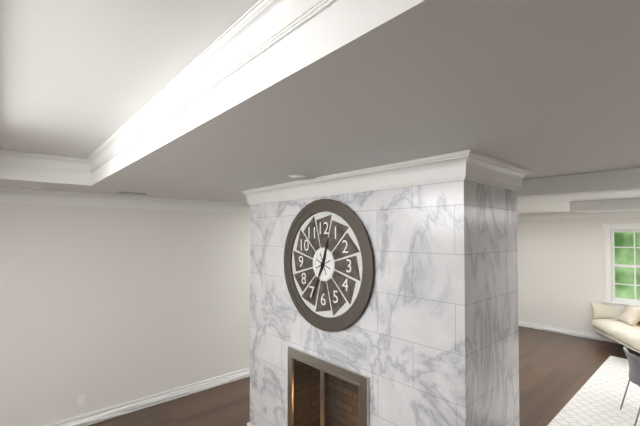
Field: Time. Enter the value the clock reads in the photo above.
12:34
